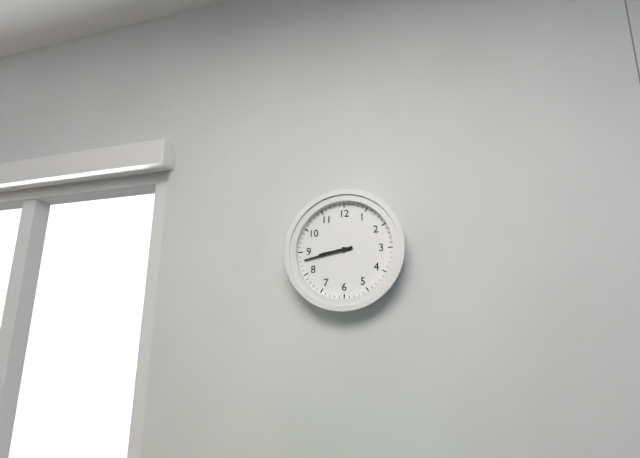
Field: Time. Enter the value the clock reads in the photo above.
8:43
